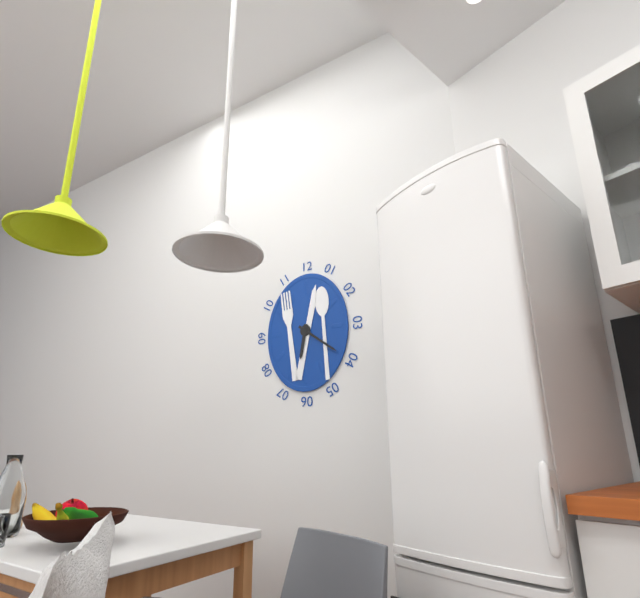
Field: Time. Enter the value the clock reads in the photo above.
6:21
